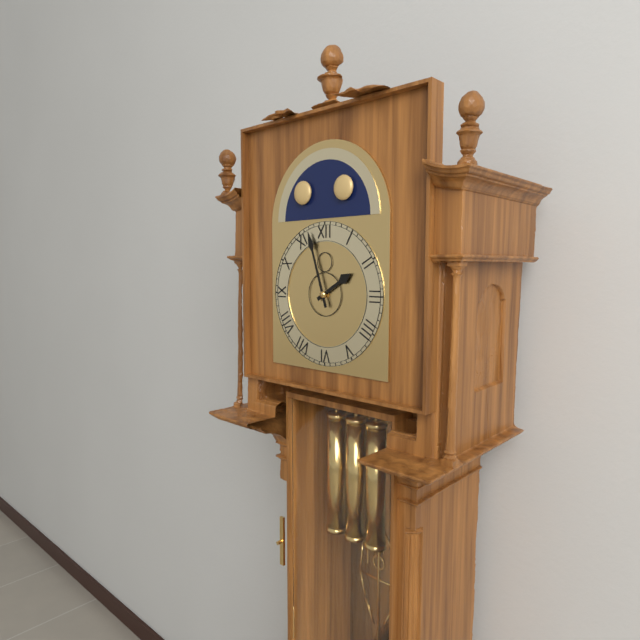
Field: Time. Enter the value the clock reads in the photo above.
1:57
